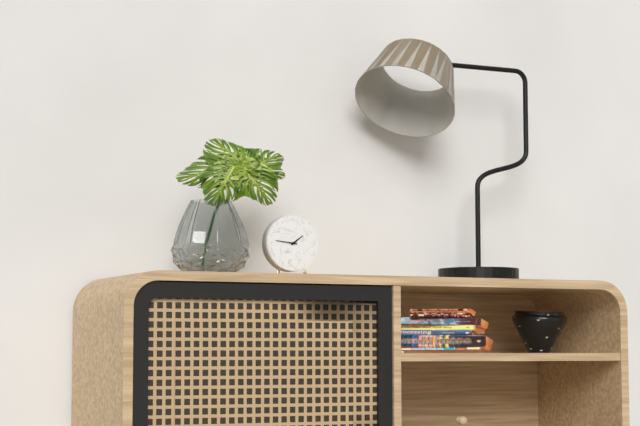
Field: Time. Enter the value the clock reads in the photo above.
1:46
